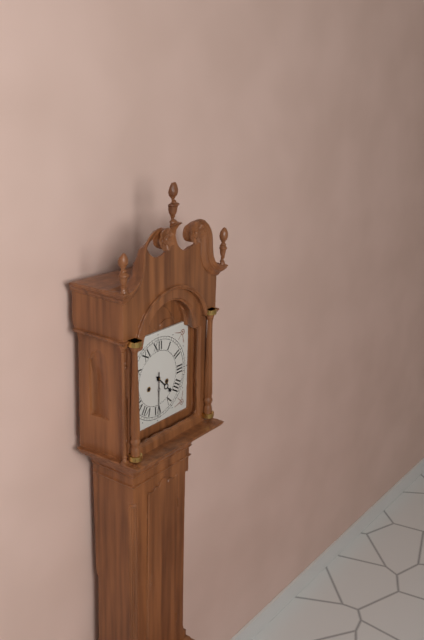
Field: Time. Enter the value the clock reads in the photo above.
4:30
